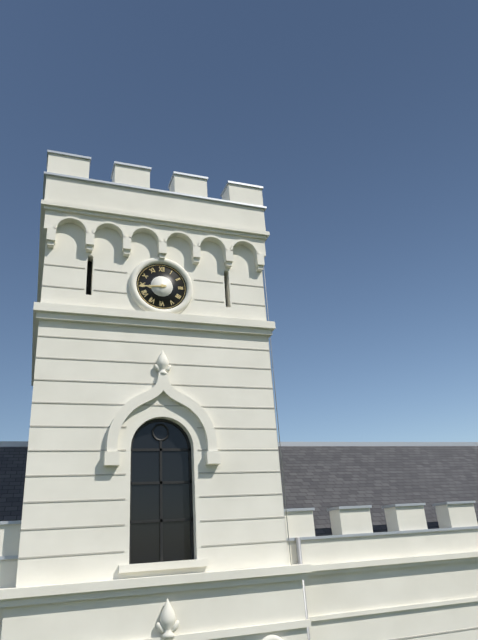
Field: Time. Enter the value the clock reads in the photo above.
8:44
